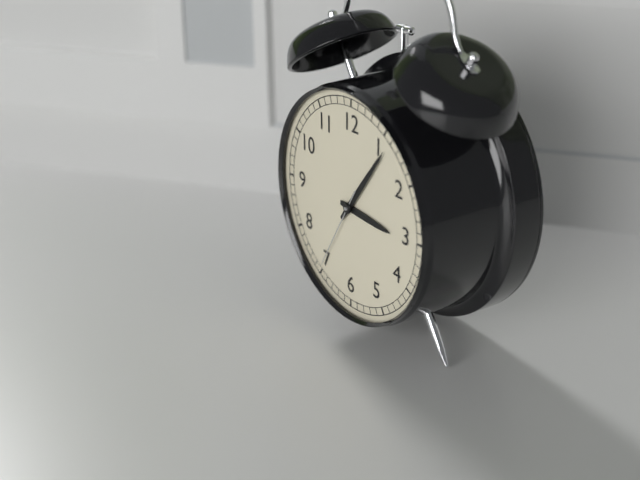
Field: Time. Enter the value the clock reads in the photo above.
3:06:35
